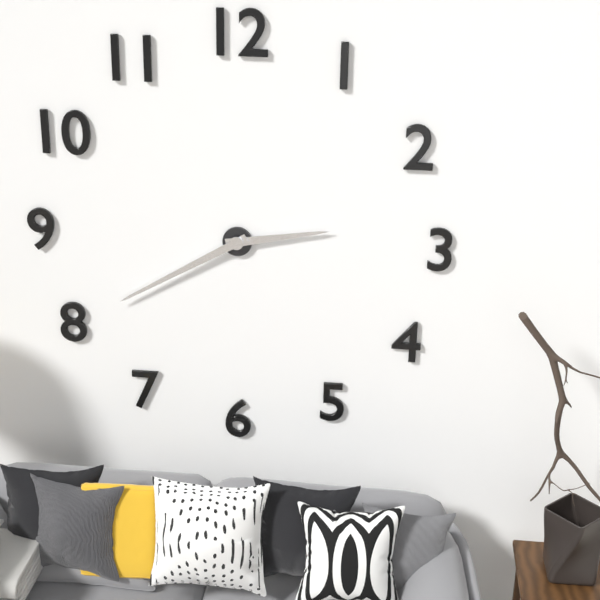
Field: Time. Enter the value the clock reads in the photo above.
2:40
